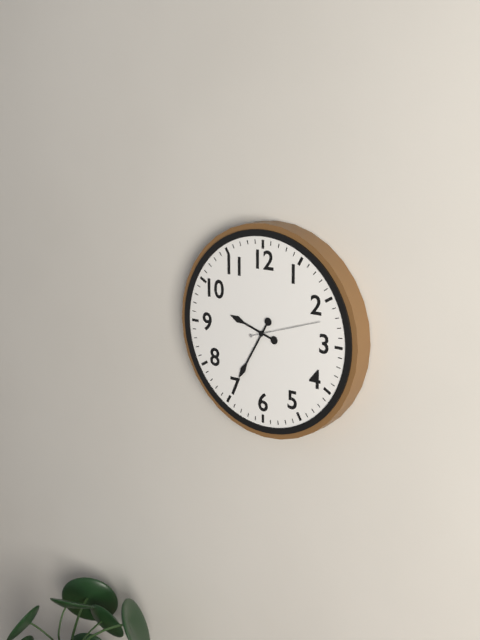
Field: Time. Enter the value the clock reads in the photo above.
9:35:12
